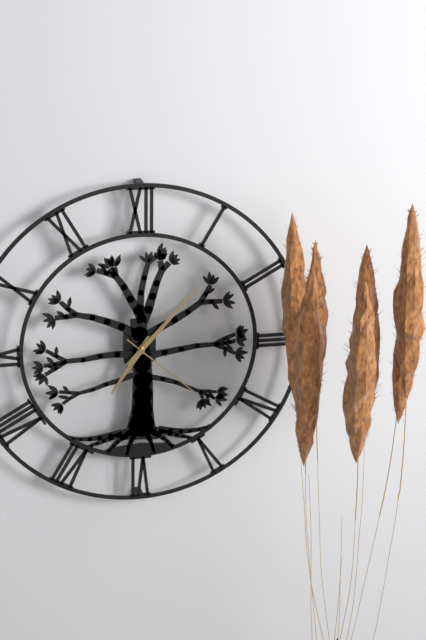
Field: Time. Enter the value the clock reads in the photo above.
7:07:22
